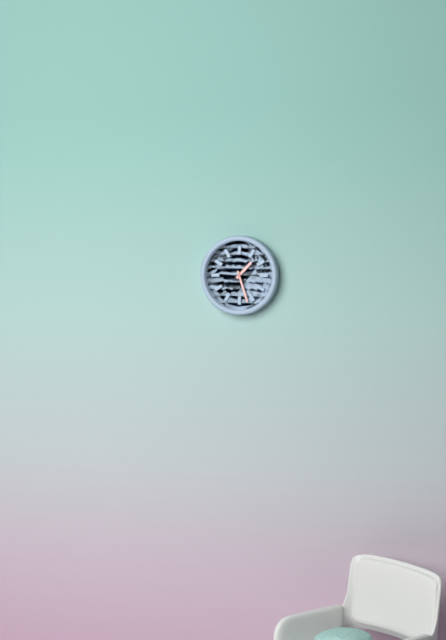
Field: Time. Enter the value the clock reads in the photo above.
1:27
